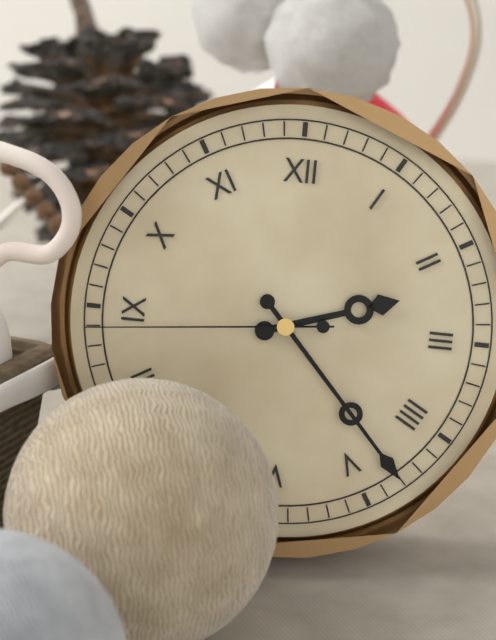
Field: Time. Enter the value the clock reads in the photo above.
2:23:44
